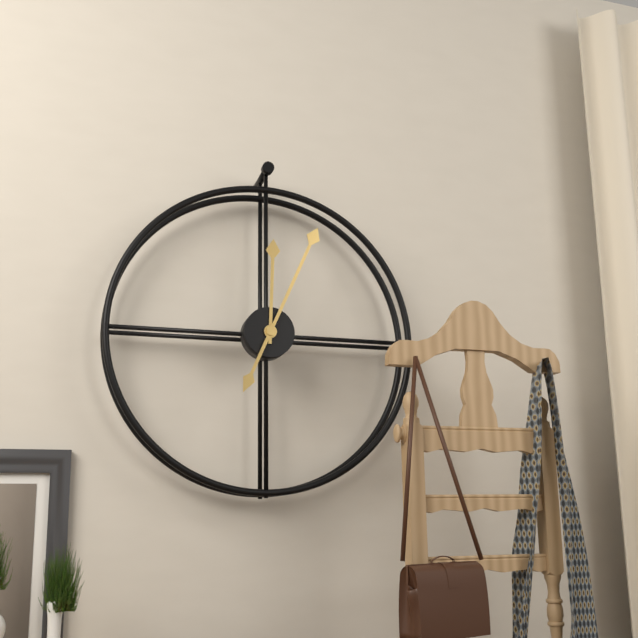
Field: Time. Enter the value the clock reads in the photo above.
12:04
